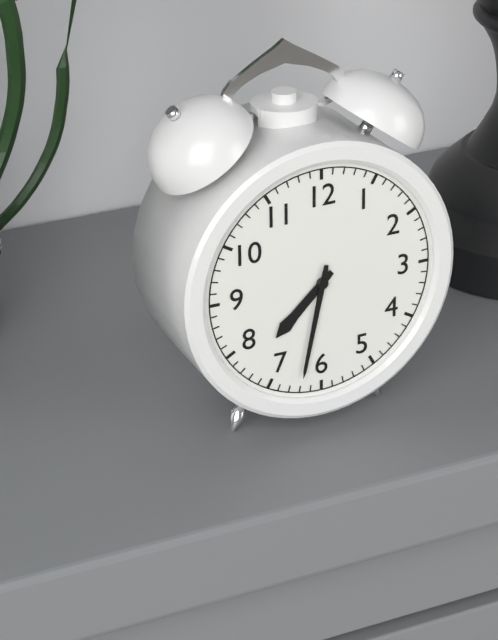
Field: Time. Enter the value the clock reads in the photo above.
7:32
